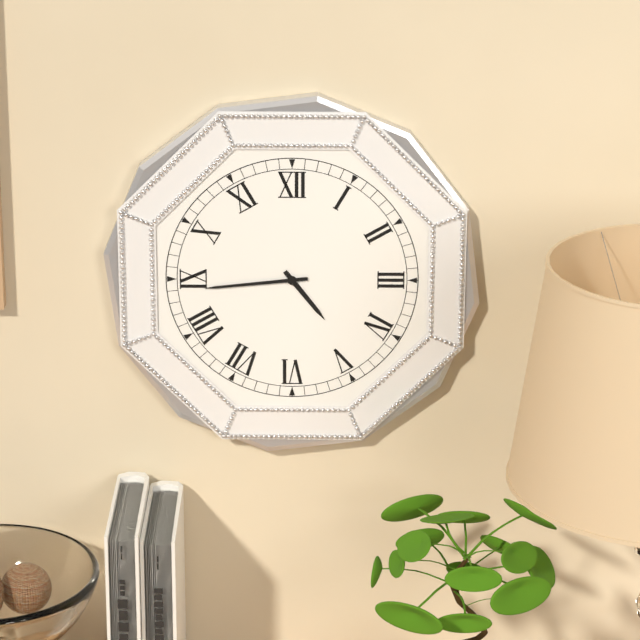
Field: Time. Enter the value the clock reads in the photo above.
4:44
